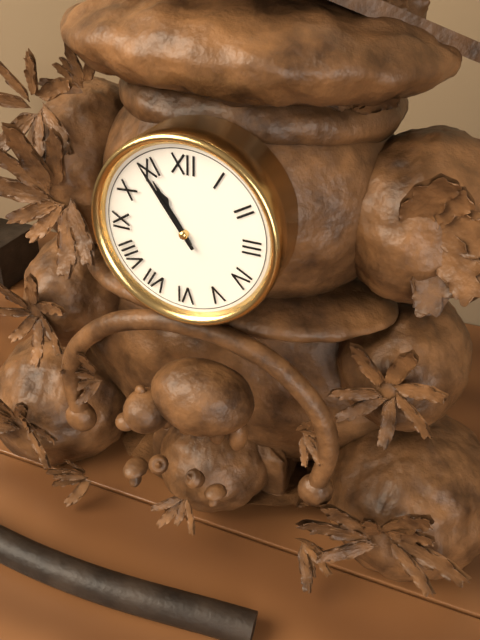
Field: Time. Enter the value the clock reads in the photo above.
10:54
